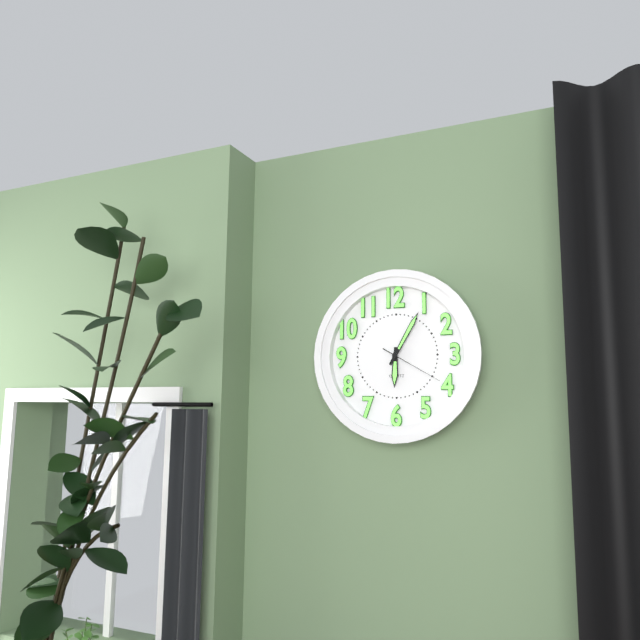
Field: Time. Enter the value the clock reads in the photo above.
6:05:20
